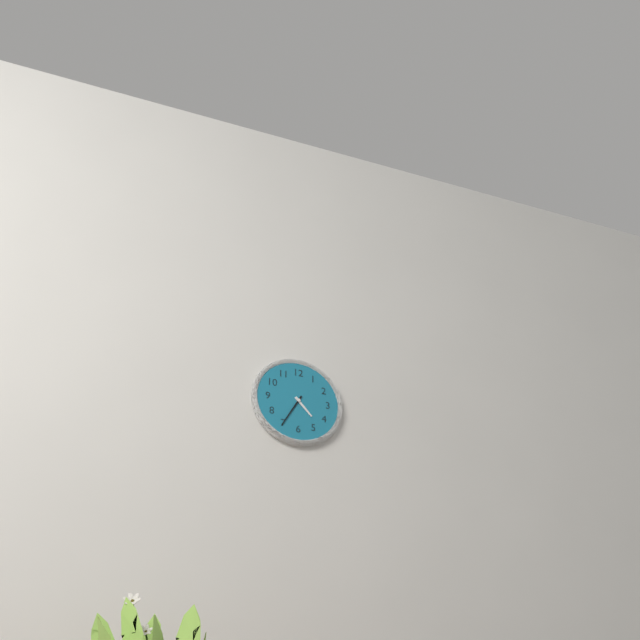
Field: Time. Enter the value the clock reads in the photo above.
4:35
